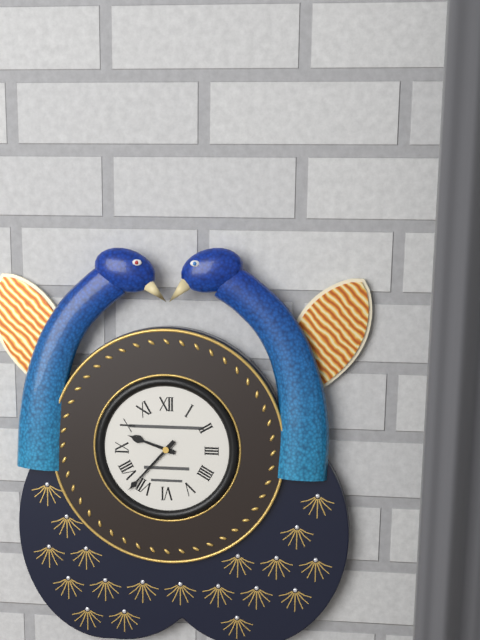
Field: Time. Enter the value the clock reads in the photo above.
9:37
